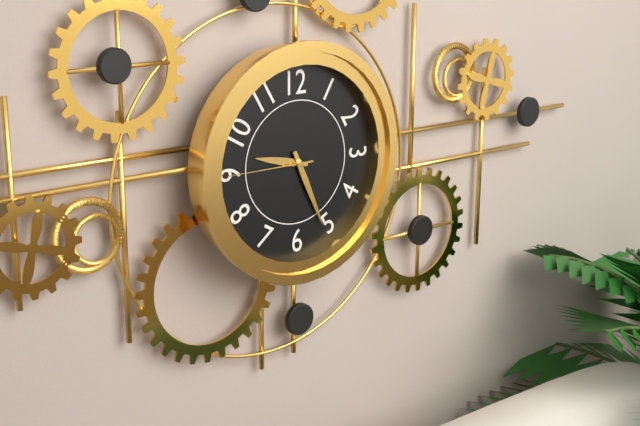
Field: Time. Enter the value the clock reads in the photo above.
9:26:45
